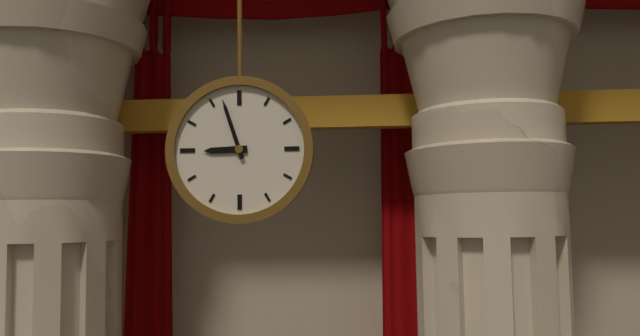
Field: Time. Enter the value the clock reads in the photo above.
8:57
